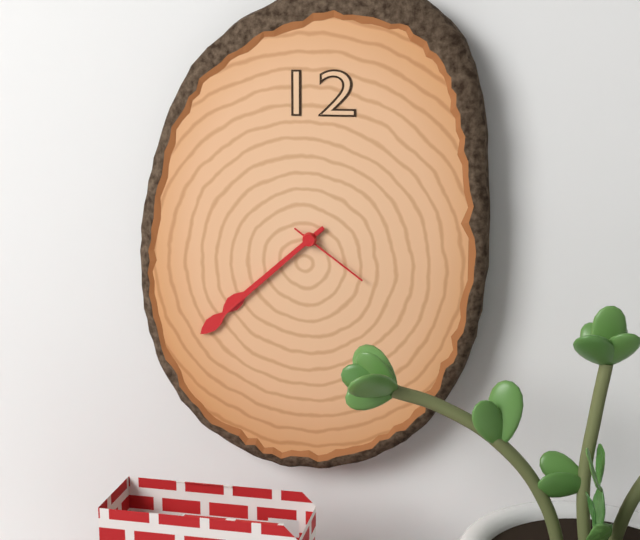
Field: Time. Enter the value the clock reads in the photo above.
7:38:21
